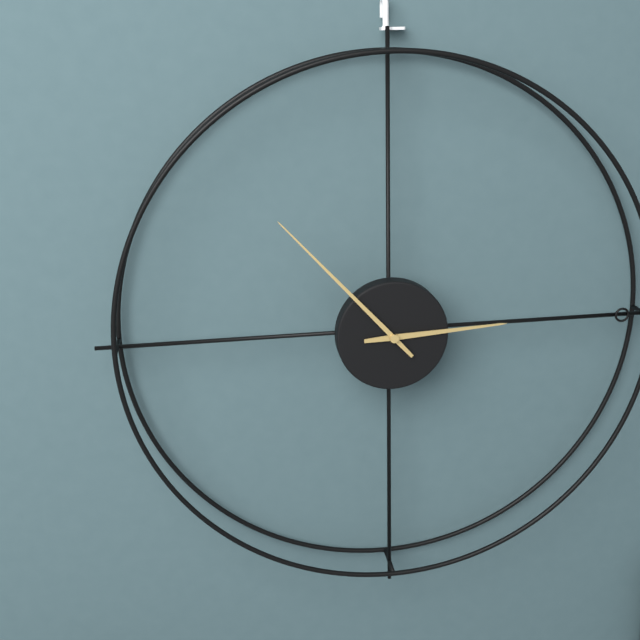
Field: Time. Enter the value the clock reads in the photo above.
2:53
